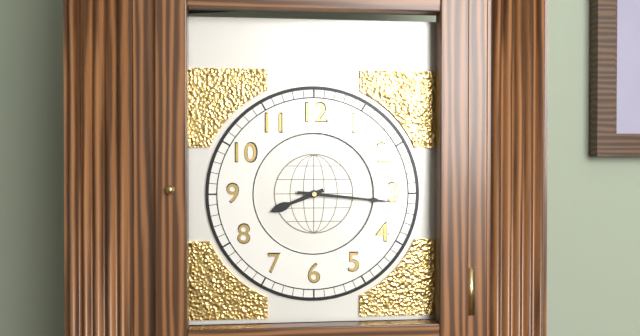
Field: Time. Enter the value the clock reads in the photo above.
8:16
